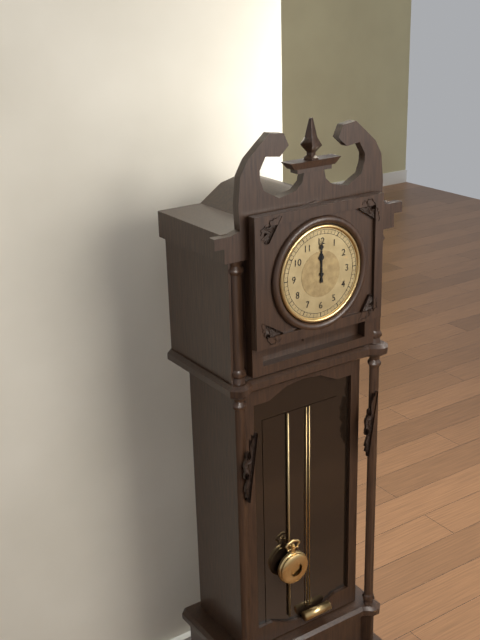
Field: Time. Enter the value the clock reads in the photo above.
12:00
